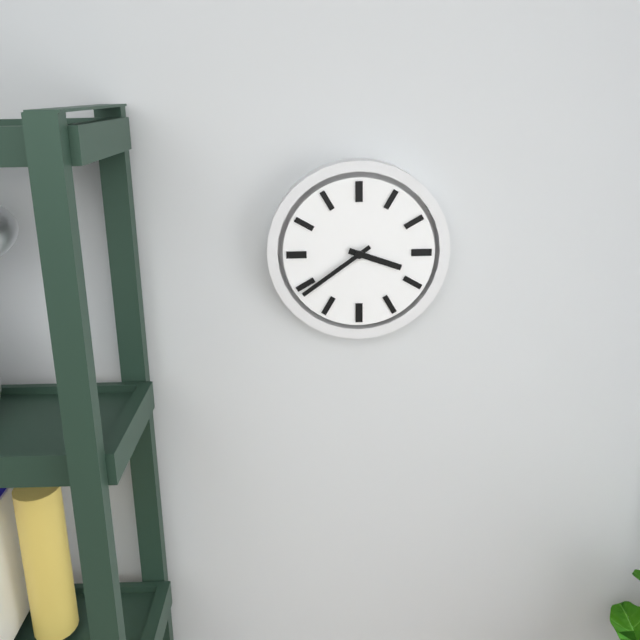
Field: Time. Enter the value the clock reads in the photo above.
3:39
